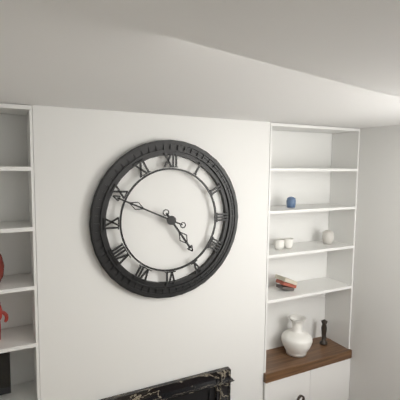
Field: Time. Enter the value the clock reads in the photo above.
4:49
